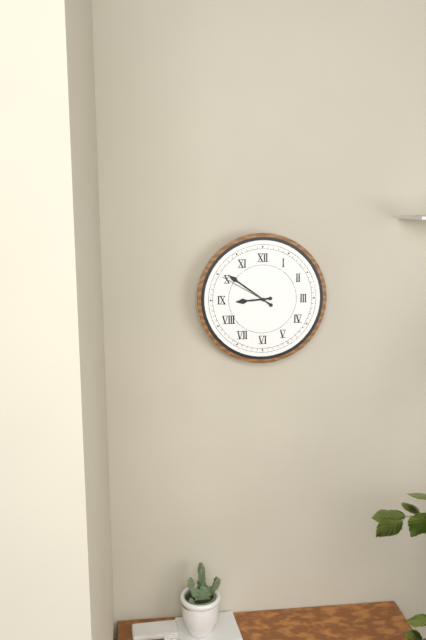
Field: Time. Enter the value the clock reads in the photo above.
8:51:50
